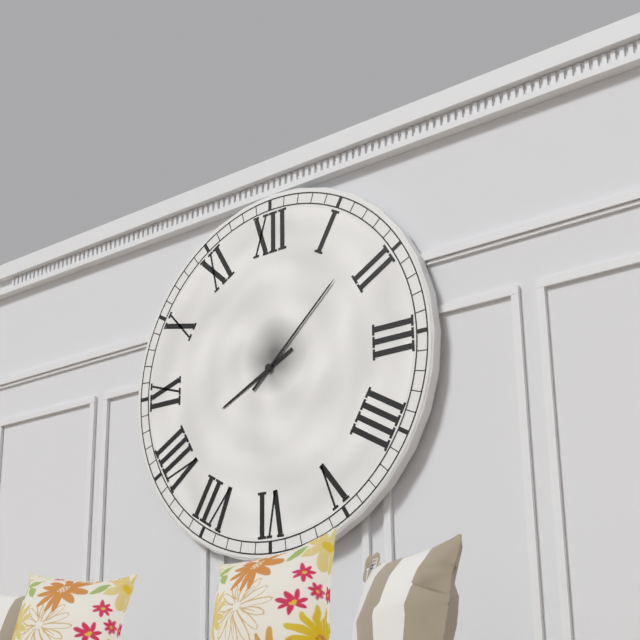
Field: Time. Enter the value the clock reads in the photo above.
8:08
